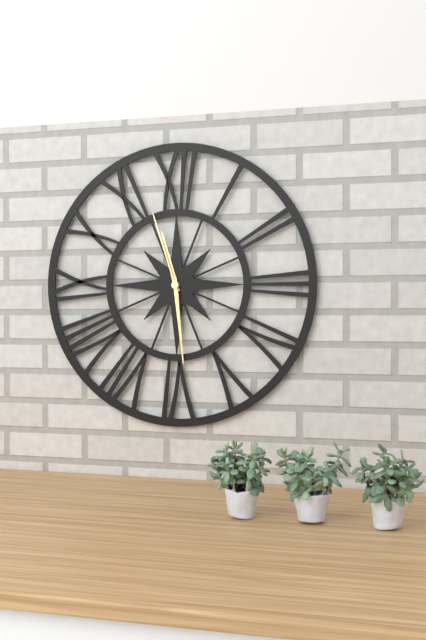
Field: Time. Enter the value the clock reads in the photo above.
11:29:57
